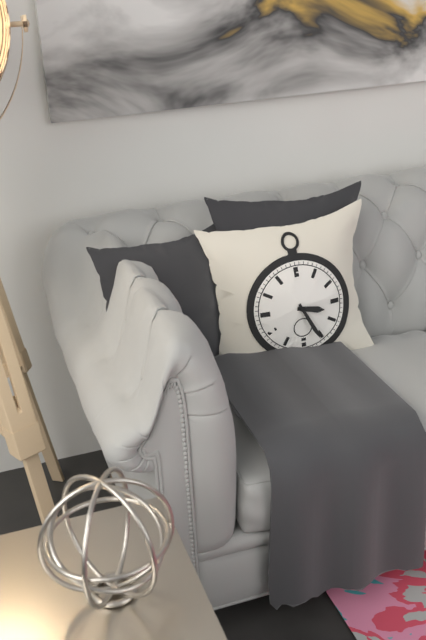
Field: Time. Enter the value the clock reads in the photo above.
3:26
